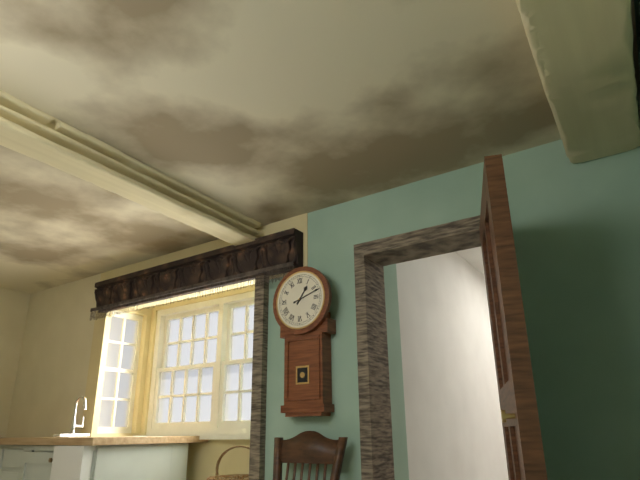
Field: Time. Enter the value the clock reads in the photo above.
1:12
